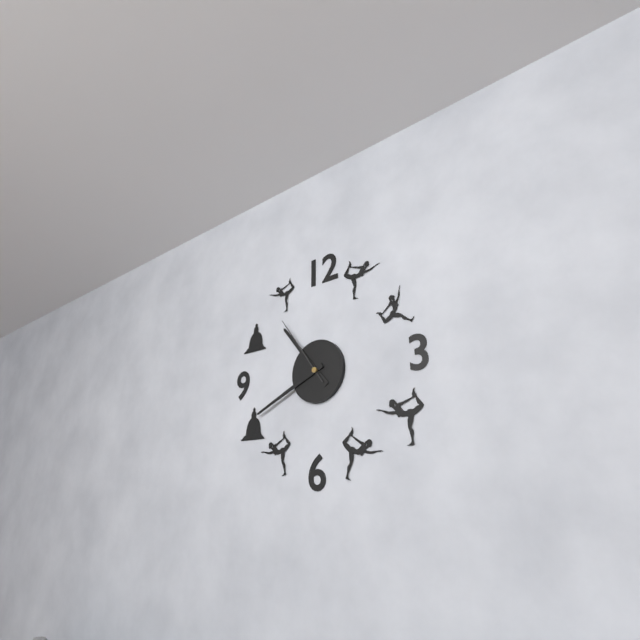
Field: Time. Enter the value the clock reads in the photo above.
10:41:54
